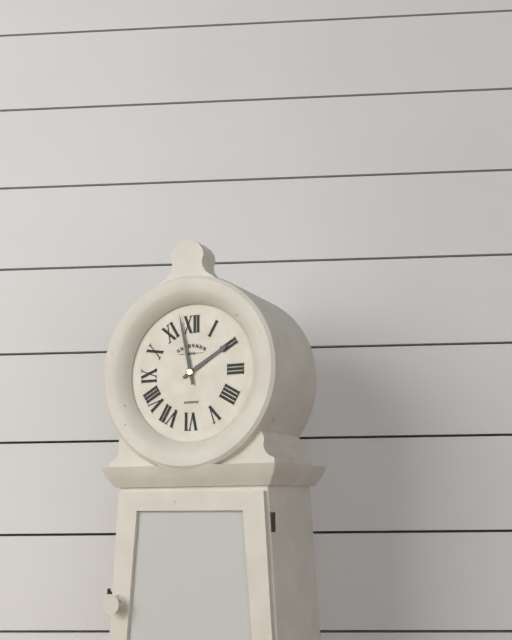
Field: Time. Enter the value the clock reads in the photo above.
1:58
